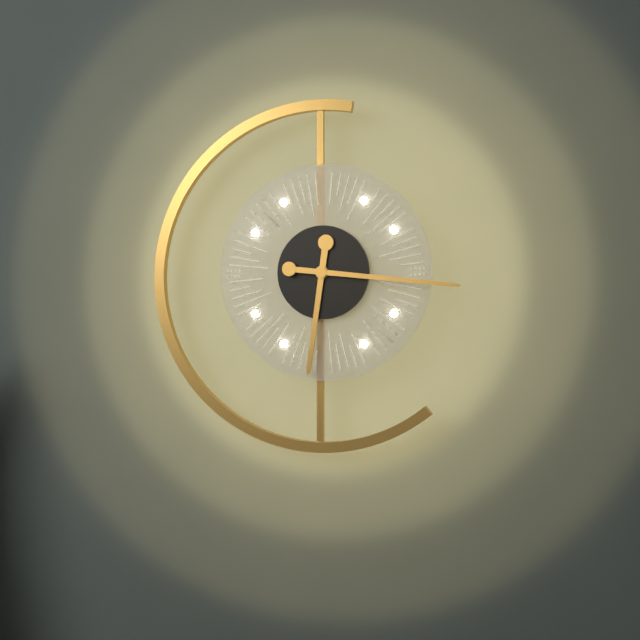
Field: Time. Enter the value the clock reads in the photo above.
6:16
